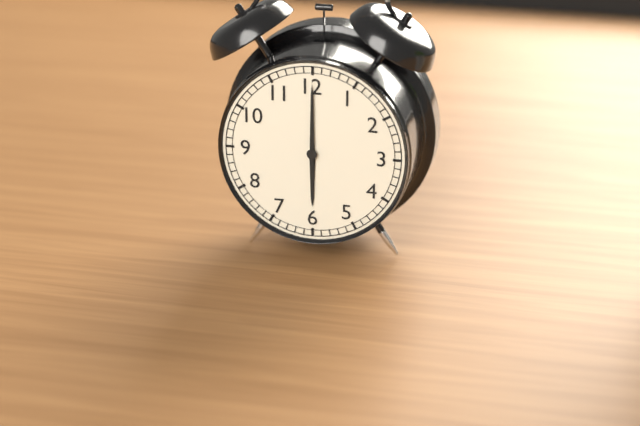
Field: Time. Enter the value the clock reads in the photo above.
6:00
